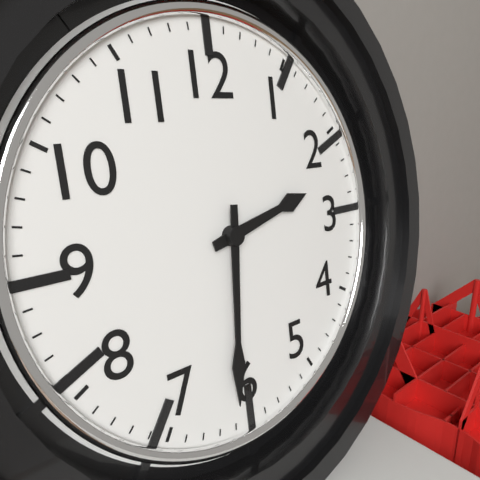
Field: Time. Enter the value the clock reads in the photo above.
2:31
